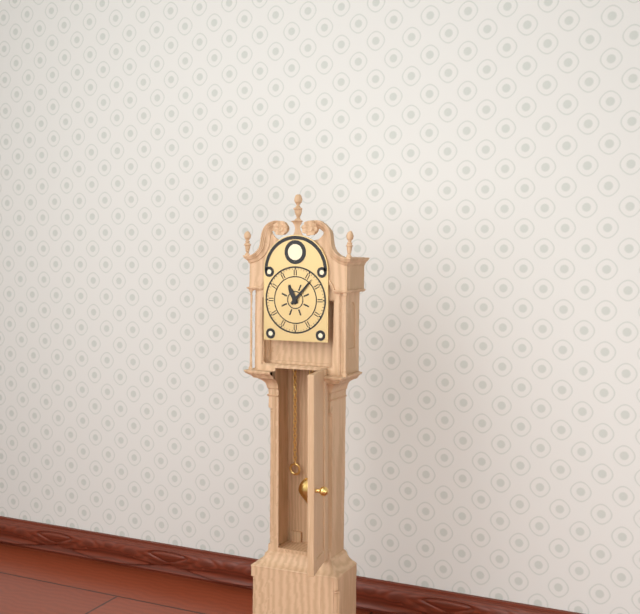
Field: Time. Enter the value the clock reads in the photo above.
11:07
